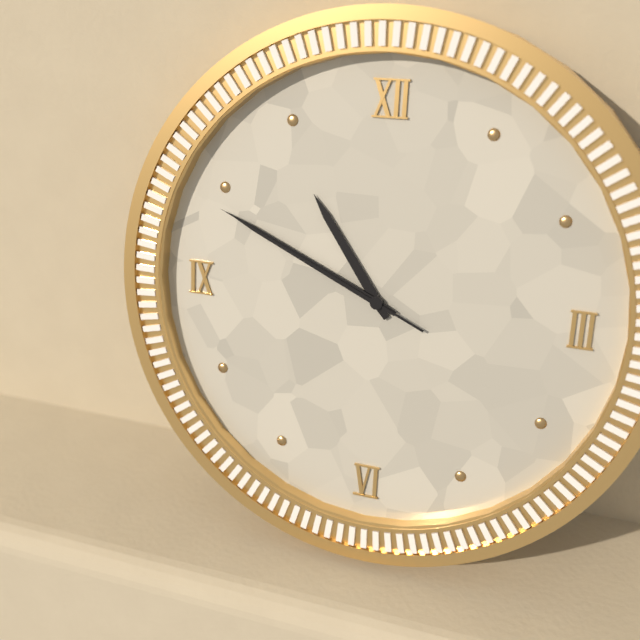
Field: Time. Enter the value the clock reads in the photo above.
10:49:49
